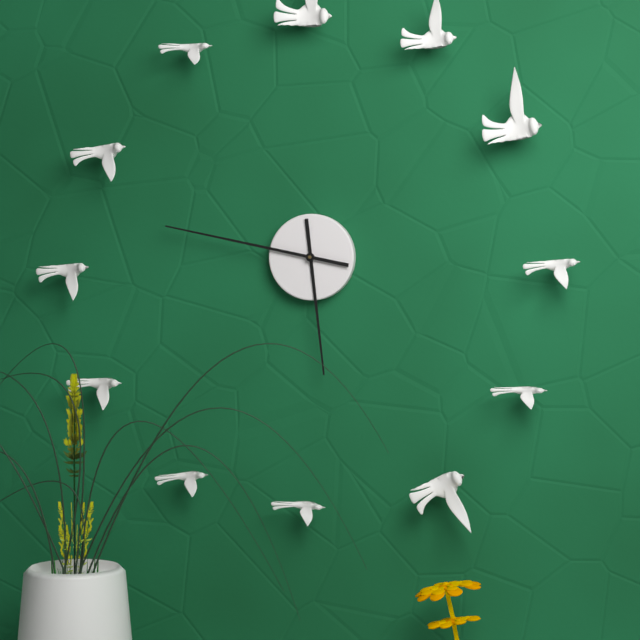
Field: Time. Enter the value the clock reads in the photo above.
5:47
